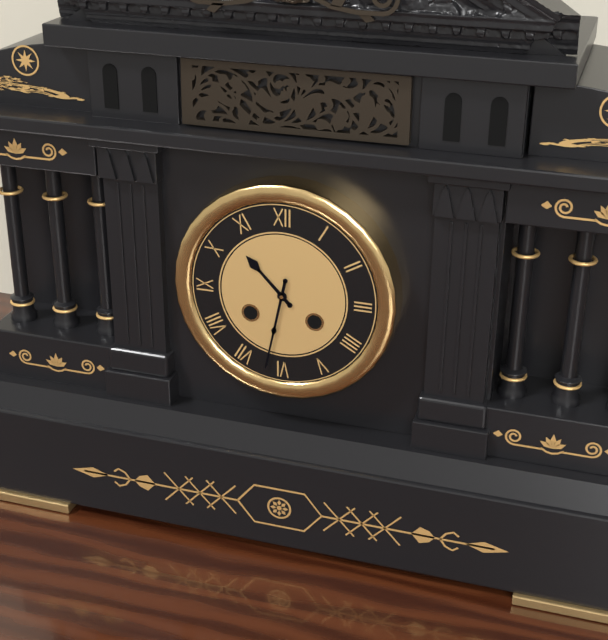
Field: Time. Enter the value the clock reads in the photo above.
10:32
